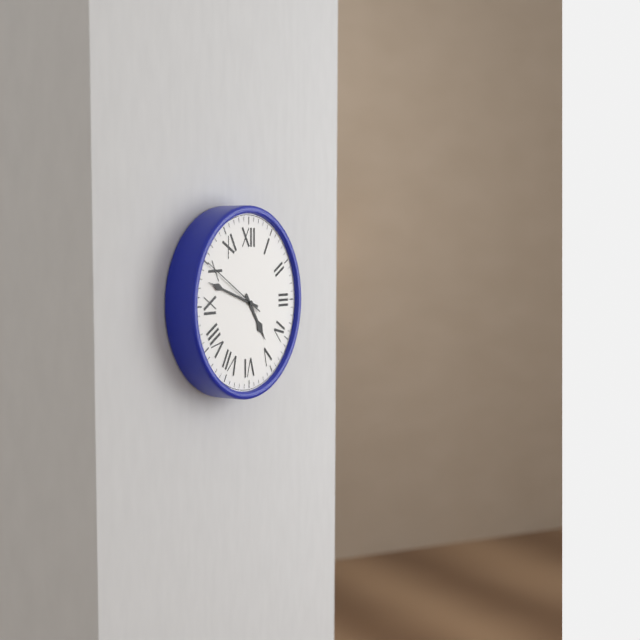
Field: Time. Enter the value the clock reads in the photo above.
4:48:50
